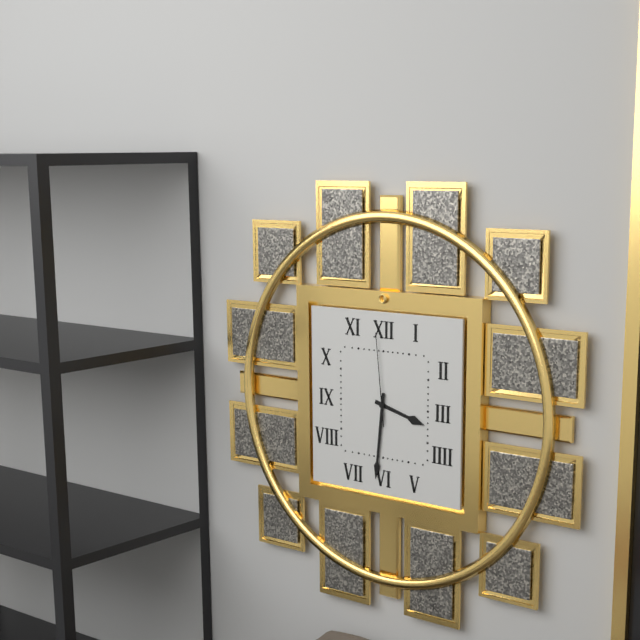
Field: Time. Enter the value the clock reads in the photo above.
3:31:59
